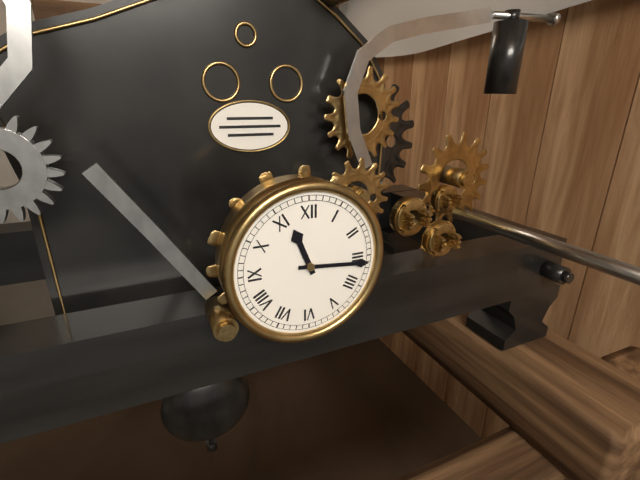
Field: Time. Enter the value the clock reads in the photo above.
11:16
